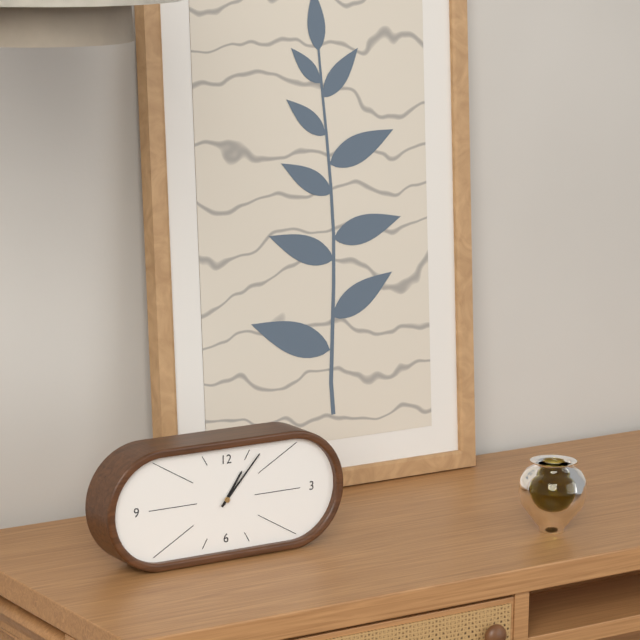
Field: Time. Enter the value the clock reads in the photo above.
1:07
